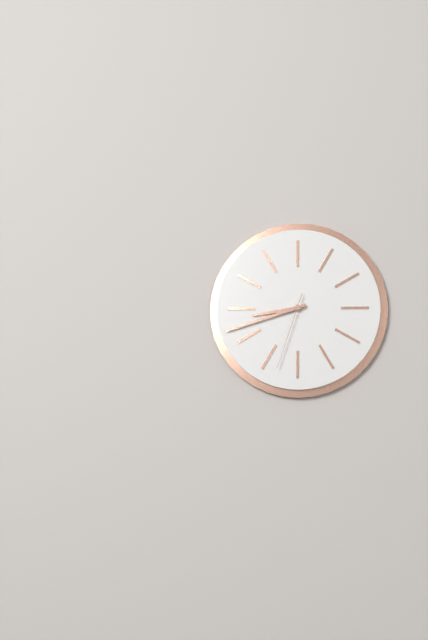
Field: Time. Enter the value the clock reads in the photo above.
8:42:33
